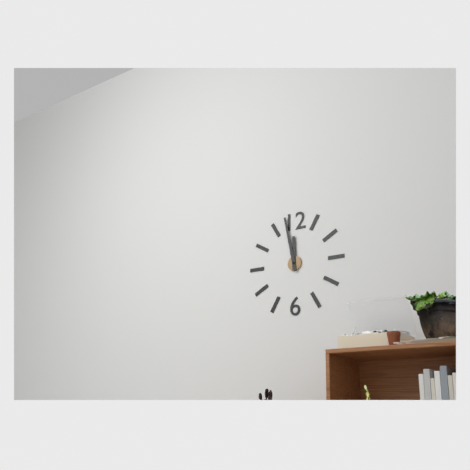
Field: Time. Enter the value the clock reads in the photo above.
11:58
